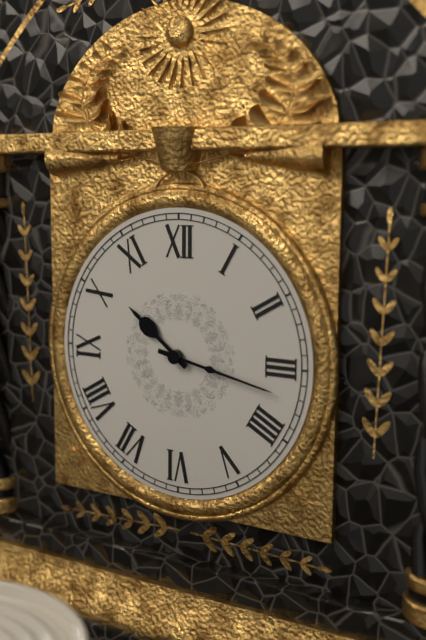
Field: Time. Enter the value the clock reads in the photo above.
10:17
